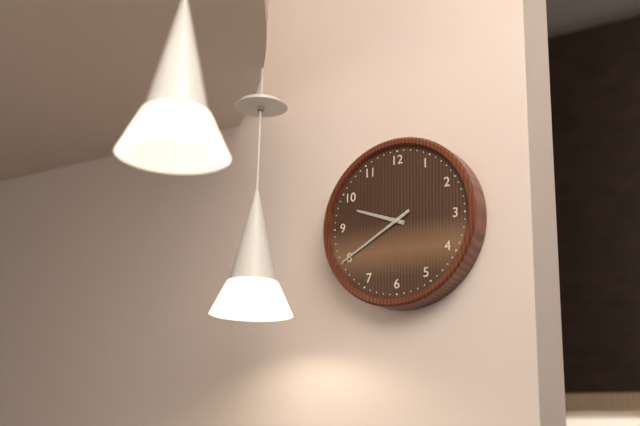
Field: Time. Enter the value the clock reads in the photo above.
9:40
